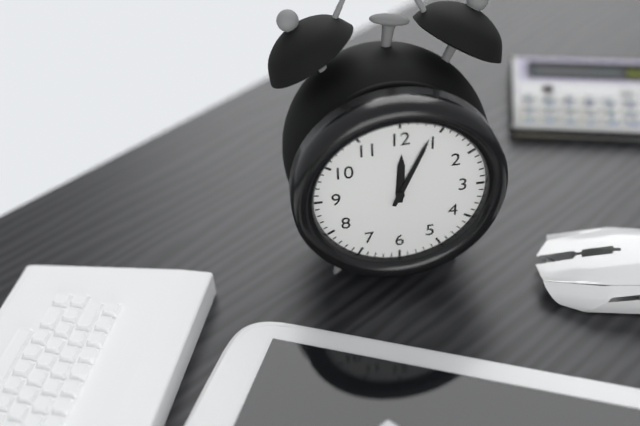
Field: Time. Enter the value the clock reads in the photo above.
12:04
